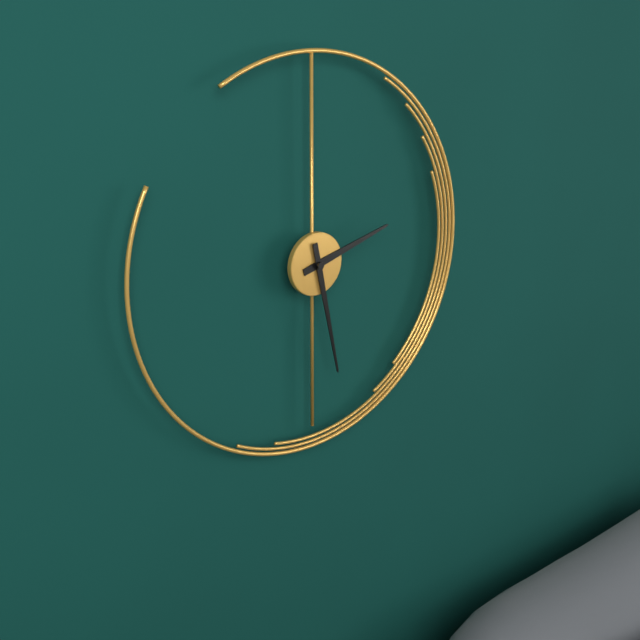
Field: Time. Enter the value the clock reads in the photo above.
2:28
